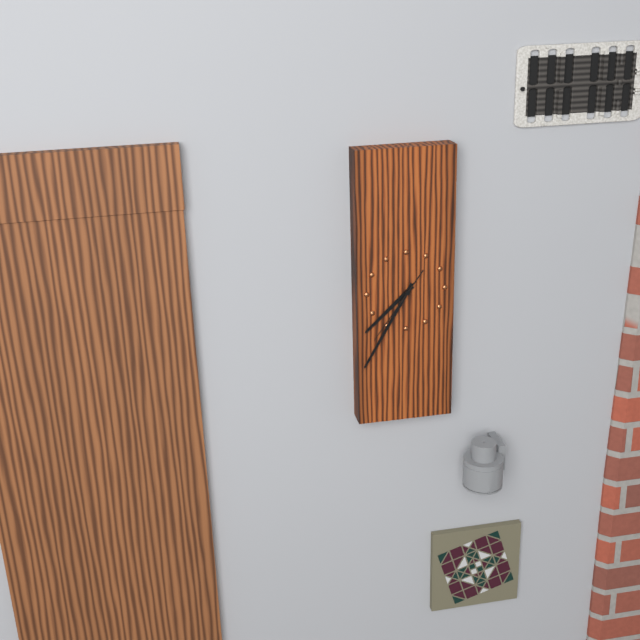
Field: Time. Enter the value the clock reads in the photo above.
7:35:36
